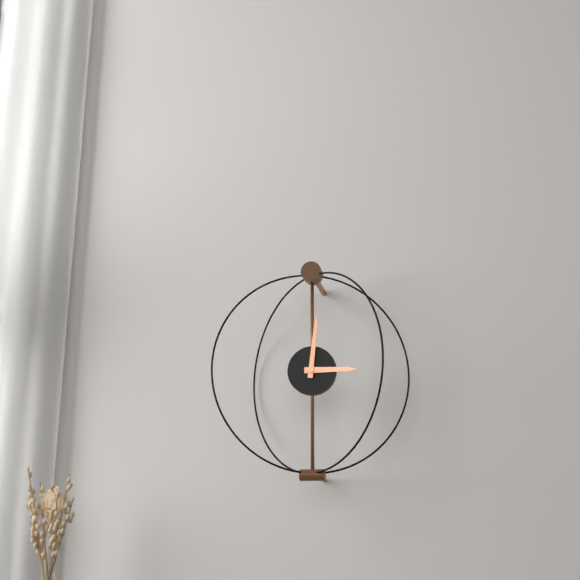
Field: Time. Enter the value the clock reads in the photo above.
3:01
